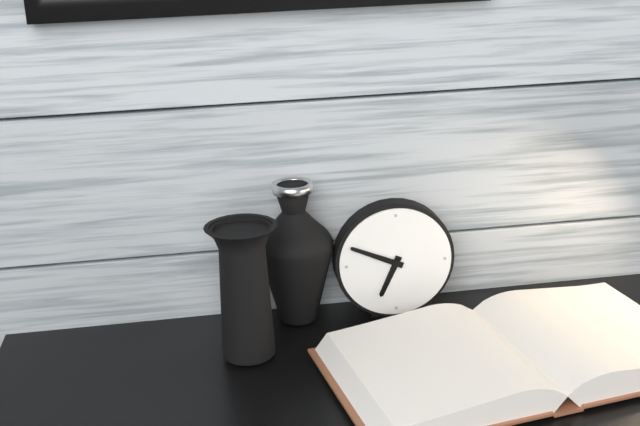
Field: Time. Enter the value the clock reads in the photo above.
6:49
